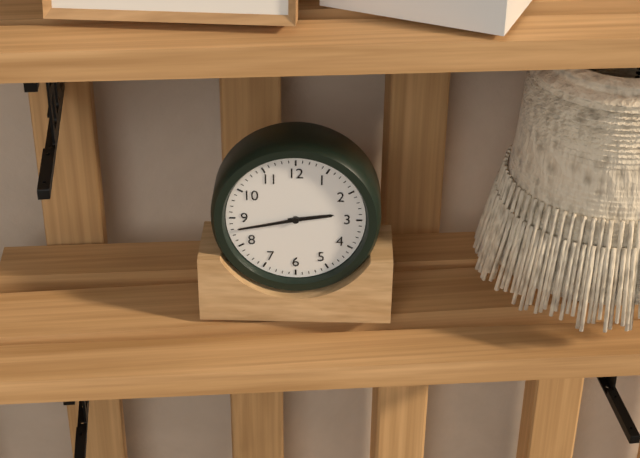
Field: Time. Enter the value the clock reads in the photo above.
2:43
